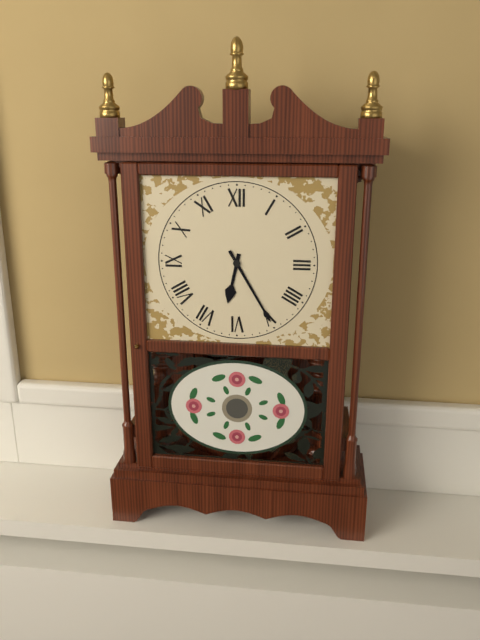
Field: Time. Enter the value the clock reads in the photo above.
6:25
